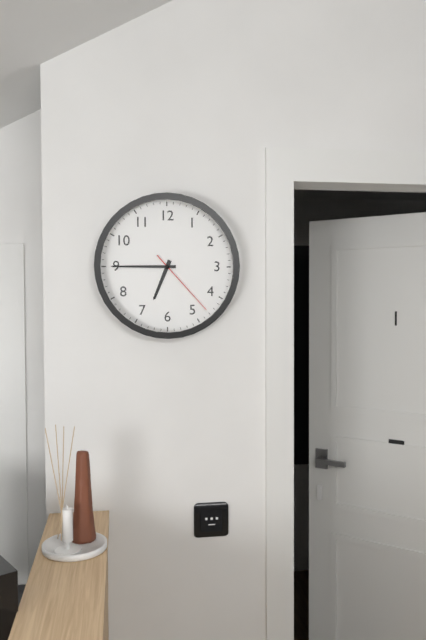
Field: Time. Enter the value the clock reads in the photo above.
6:45:23
